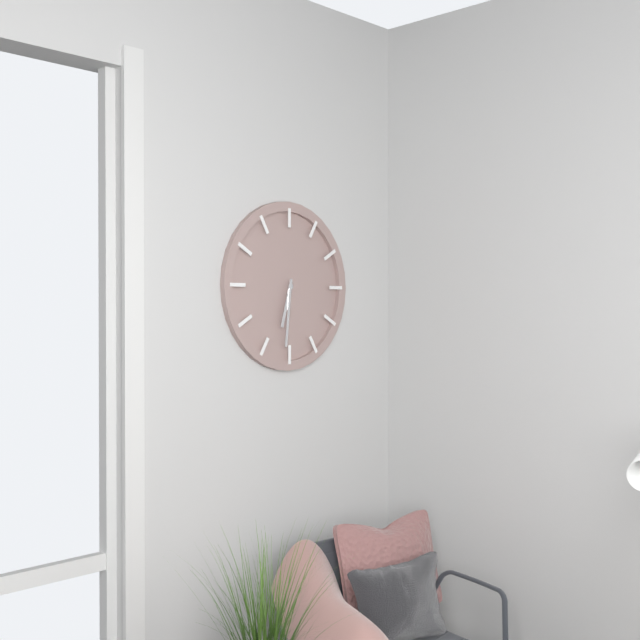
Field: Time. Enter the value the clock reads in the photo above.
6:31
